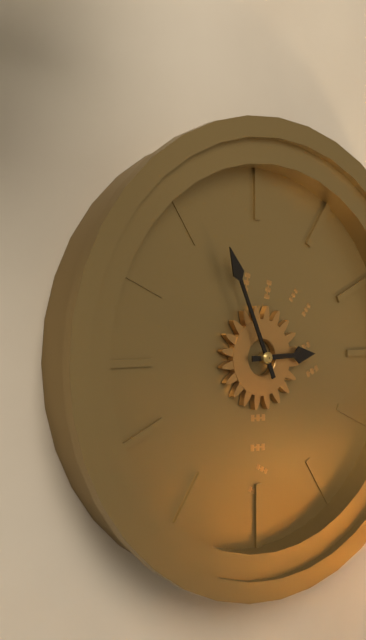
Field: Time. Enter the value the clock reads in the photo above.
2:56
